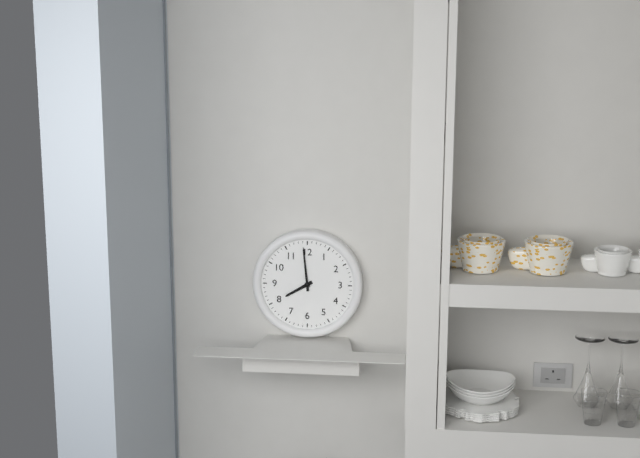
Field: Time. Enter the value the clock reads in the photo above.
7:59
